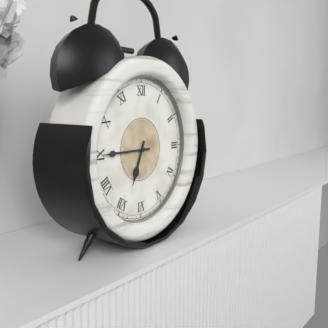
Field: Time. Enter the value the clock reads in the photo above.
6:45
